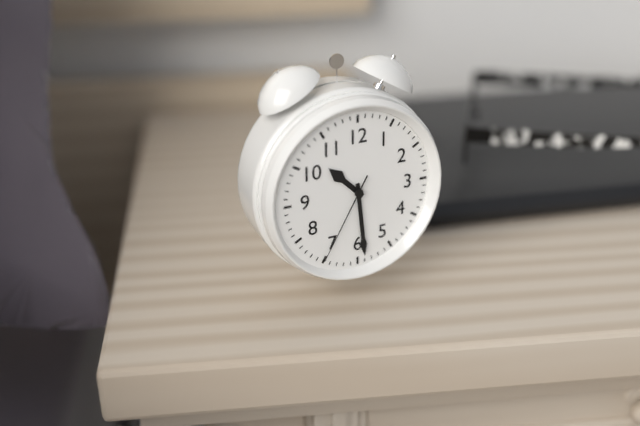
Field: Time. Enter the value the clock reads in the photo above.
10:29:35
